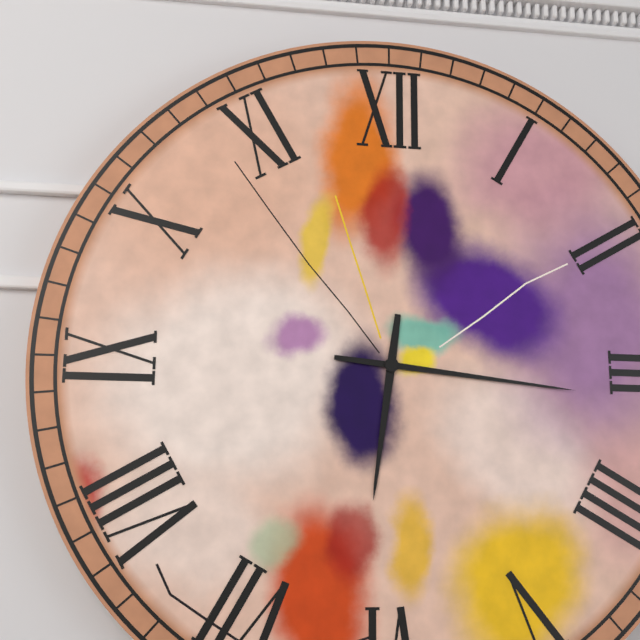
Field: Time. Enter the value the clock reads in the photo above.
6:16
